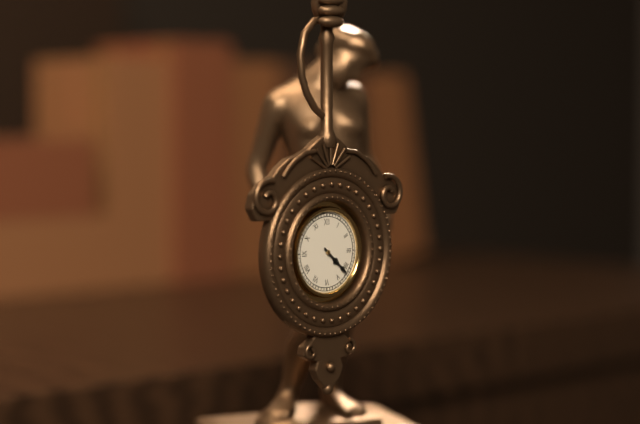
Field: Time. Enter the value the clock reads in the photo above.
4:22
